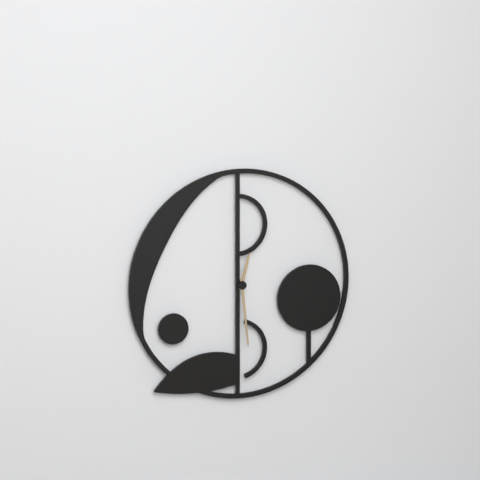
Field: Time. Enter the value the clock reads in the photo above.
12:29
